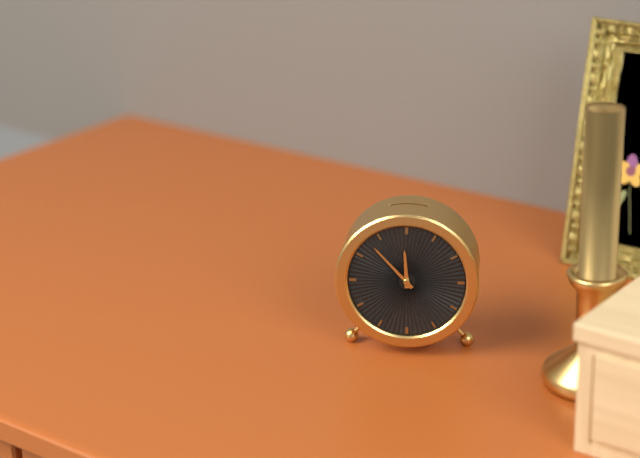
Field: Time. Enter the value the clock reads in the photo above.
11:53
